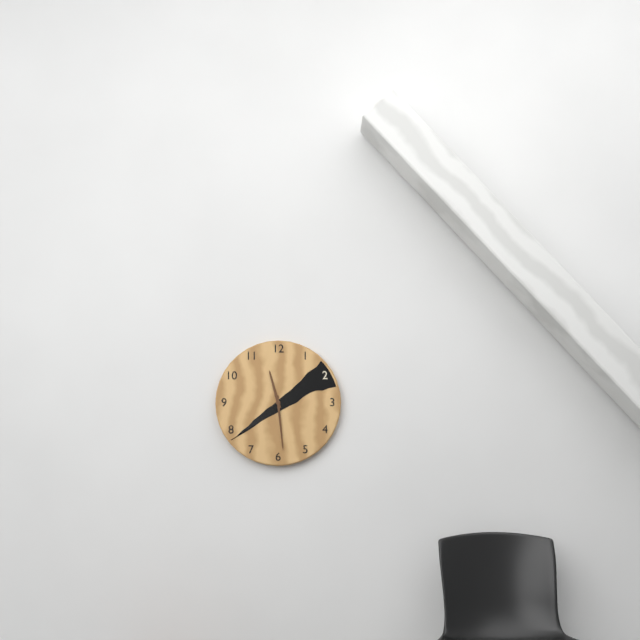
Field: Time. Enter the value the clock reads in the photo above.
11:29
